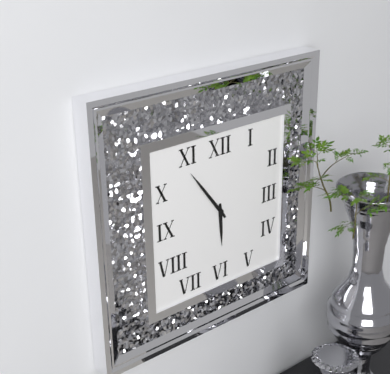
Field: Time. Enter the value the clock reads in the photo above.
5:54
